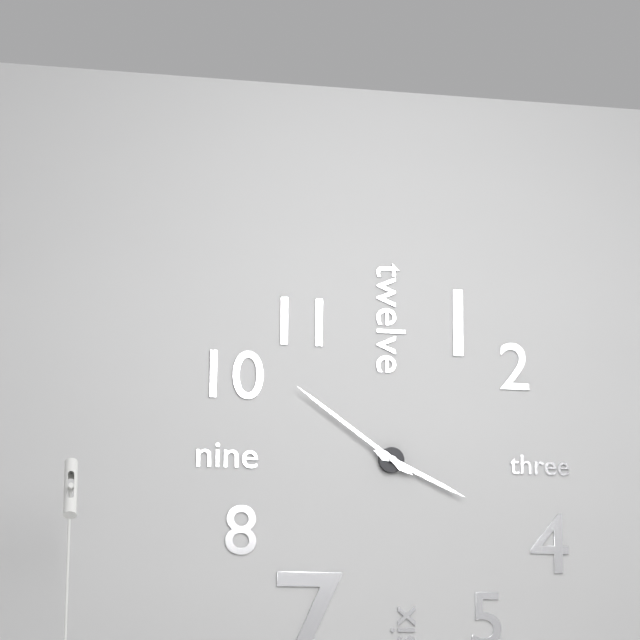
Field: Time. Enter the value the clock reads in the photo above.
3:51
